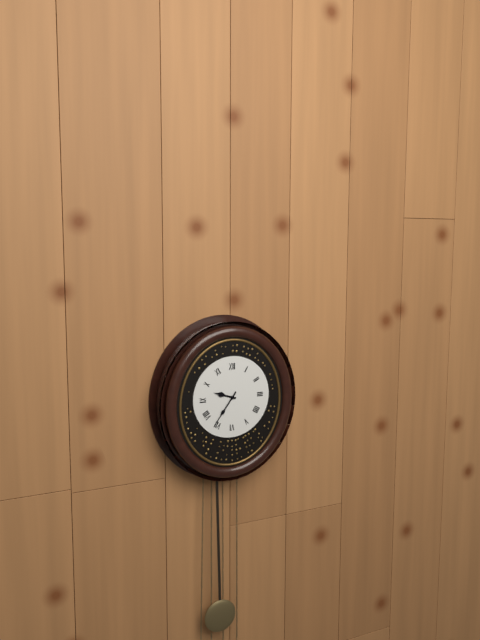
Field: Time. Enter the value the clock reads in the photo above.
9:36
